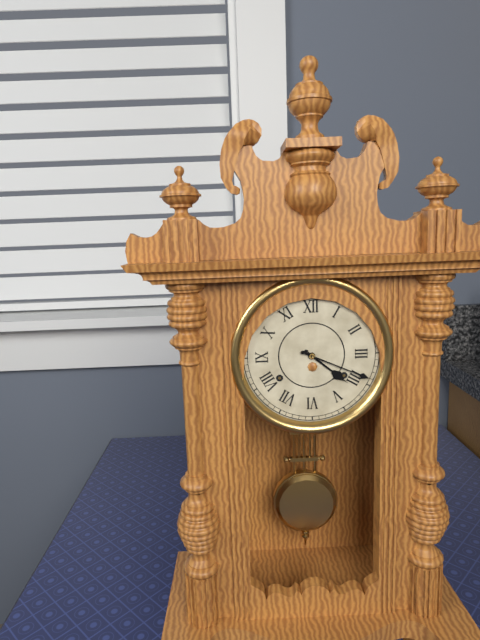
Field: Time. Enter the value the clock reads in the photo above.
4:19
